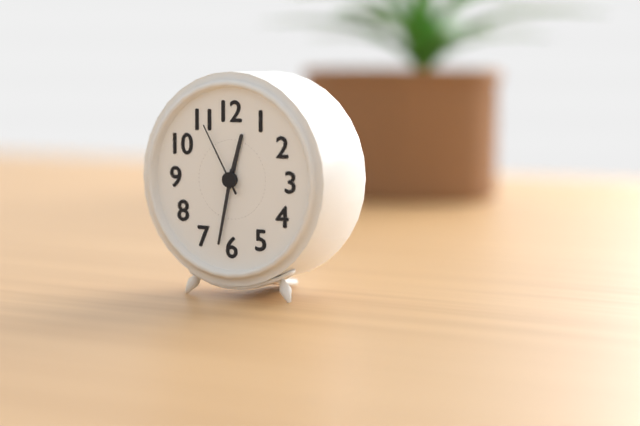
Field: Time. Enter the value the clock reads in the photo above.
12:32:55
